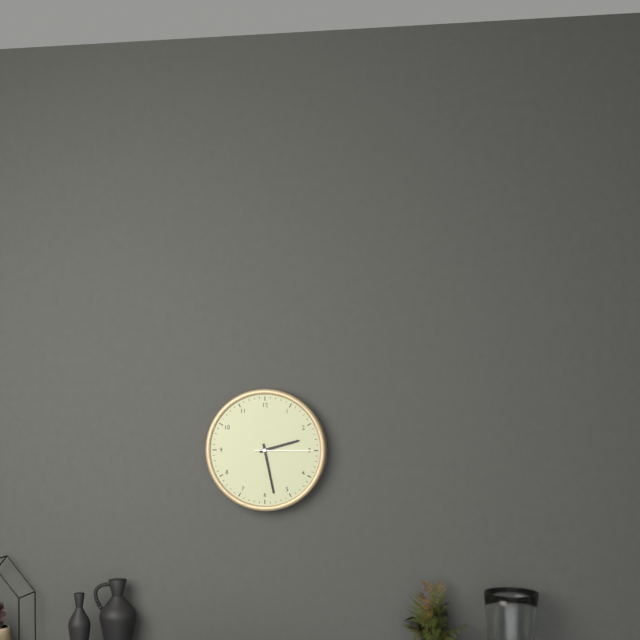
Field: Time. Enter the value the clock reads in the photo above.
2:28:15
